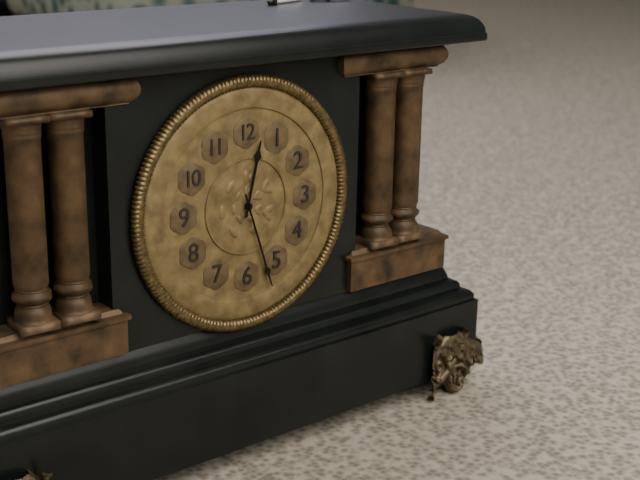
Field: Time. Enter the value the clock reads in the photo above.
12:27
